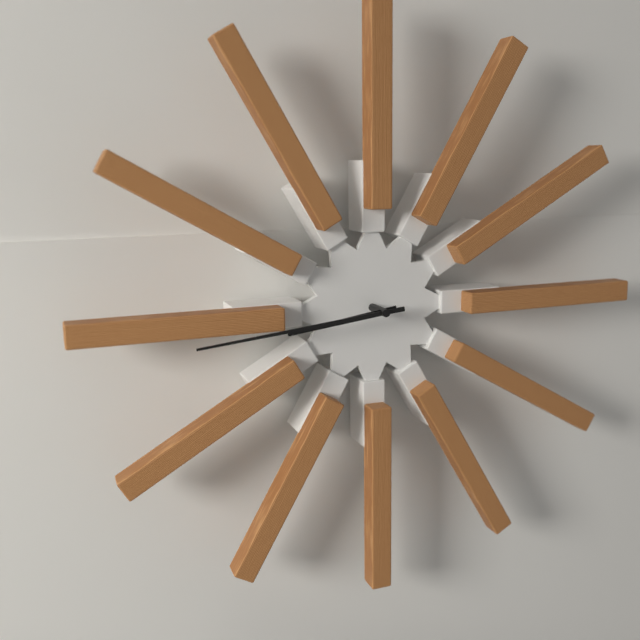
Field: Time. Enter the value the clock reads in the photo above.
8:44
